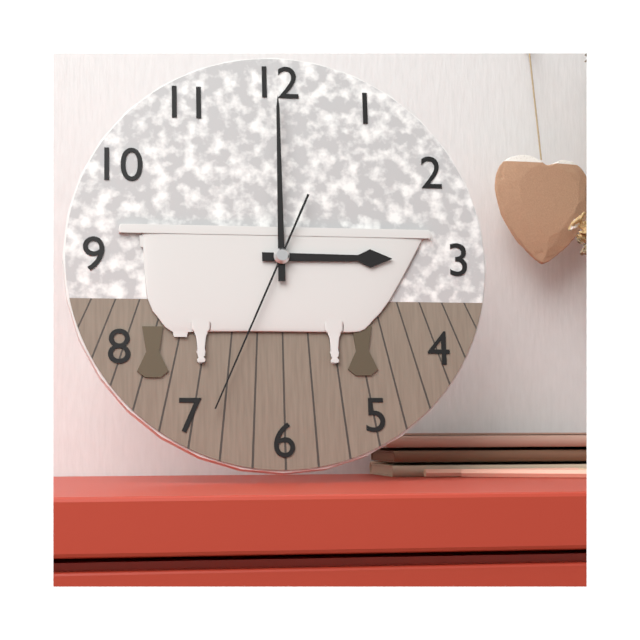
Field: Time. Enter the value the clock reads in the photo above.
3:00:34
